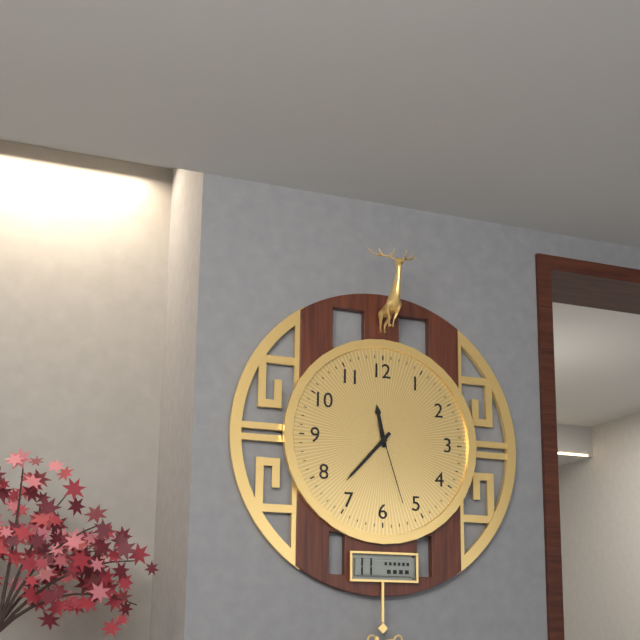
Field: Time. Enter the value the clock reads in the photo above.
11:37:27
